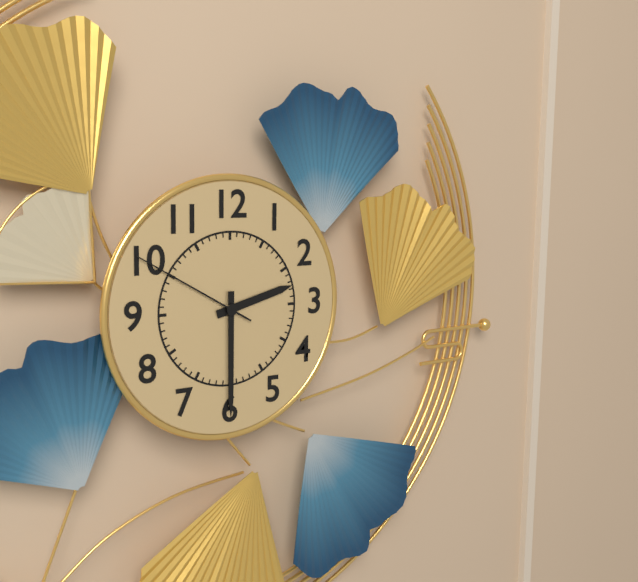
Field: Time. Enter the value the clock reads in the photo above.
2:30:50
